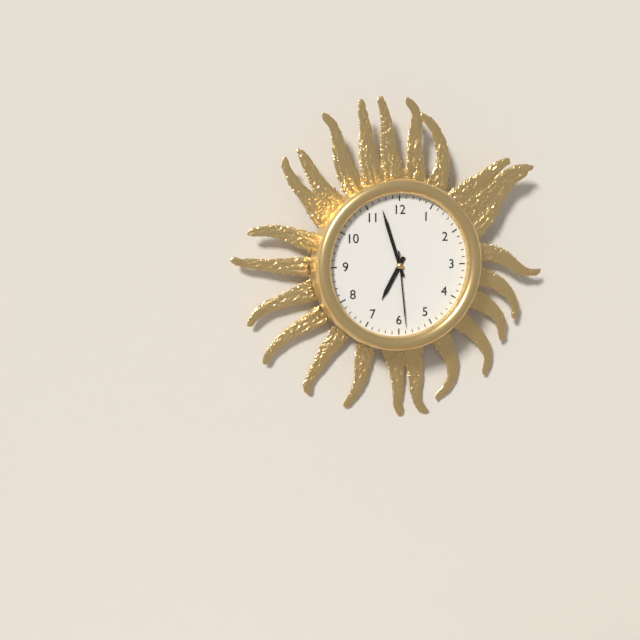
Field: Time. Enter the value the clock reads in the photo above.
6:57:29
